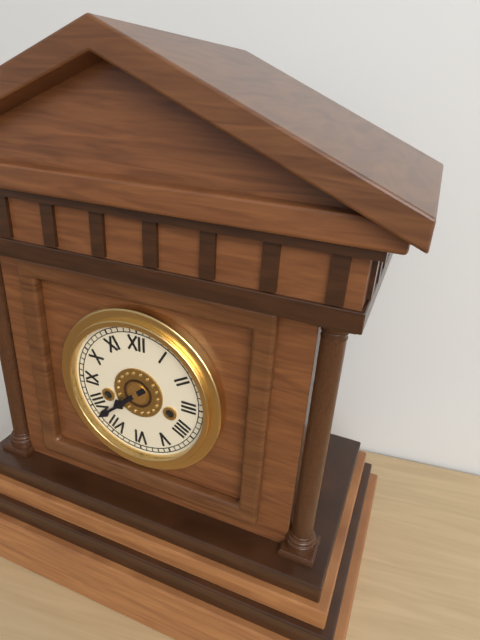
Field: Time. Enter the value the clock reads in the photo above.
7:38
